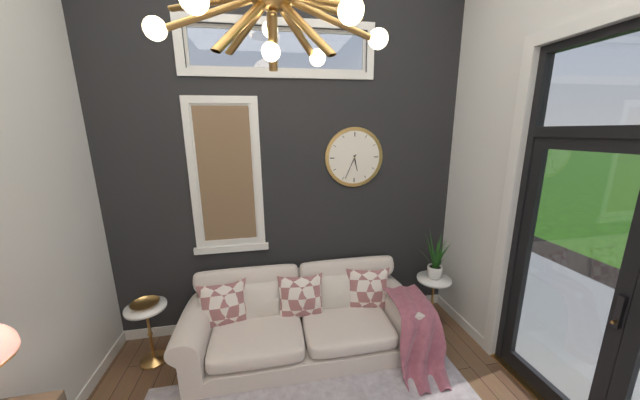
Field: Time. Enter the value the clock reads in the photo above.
5:34
